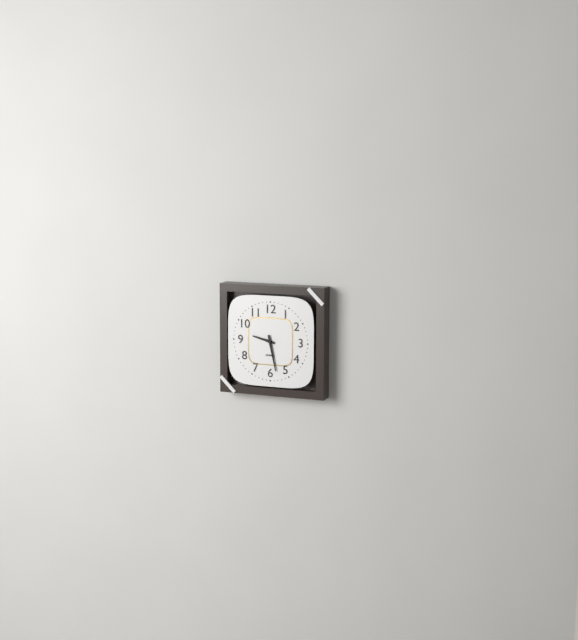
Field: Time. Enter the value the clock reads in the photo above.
9:28
